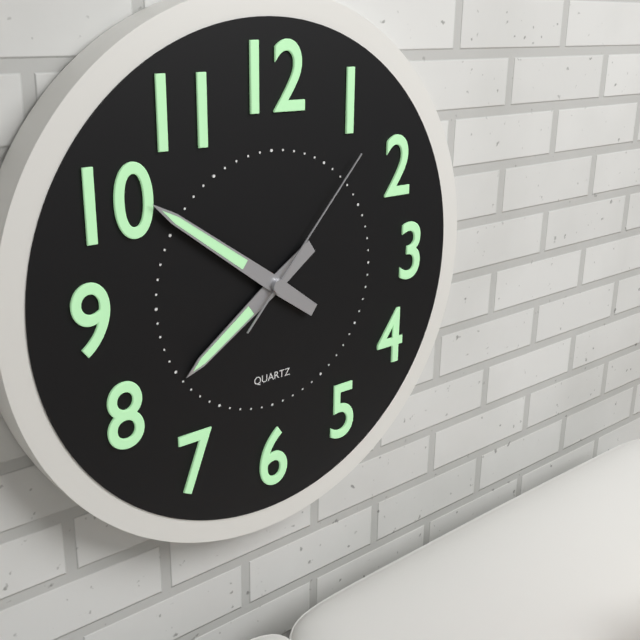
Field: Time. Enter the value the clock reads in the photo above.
7:51:07
